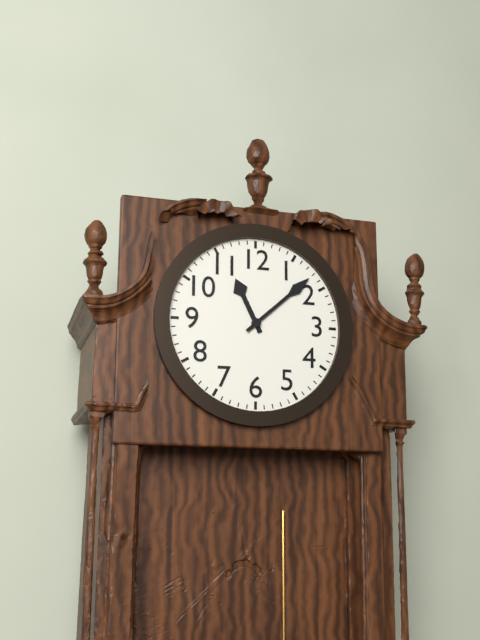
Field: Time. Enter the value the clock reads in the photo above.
11:08
